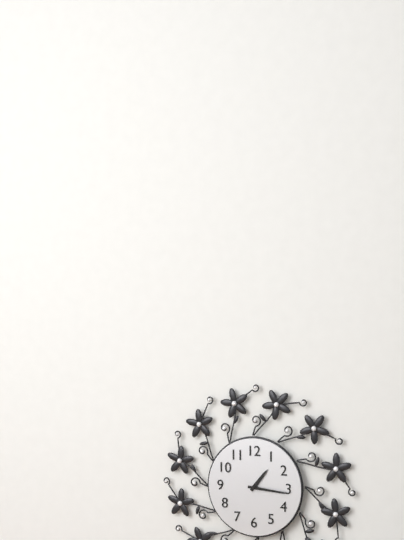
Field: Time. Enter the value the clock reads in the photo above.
1:16
